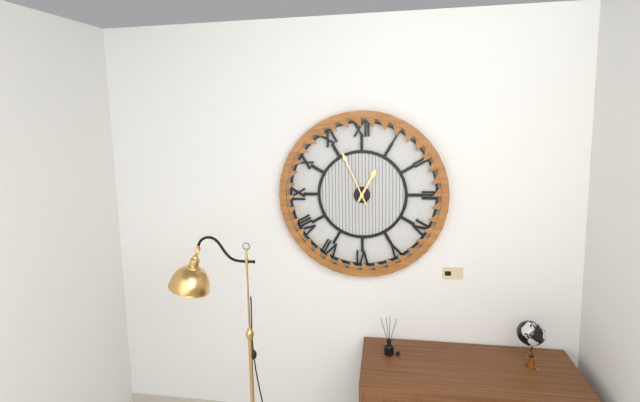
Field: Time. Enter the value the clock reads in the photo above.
12:56
